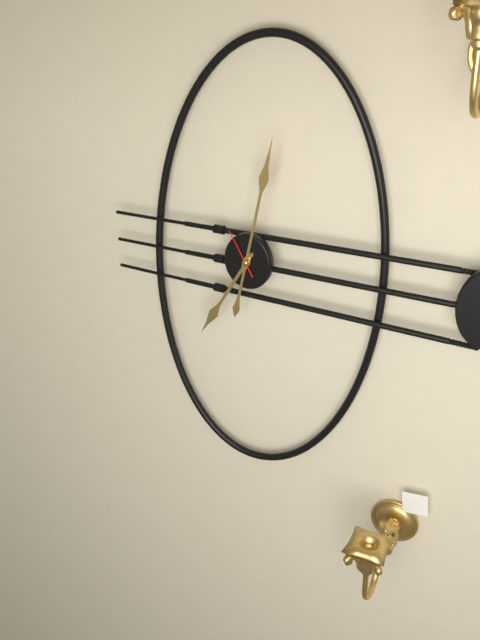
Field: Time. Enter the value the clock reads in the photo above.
7:02
